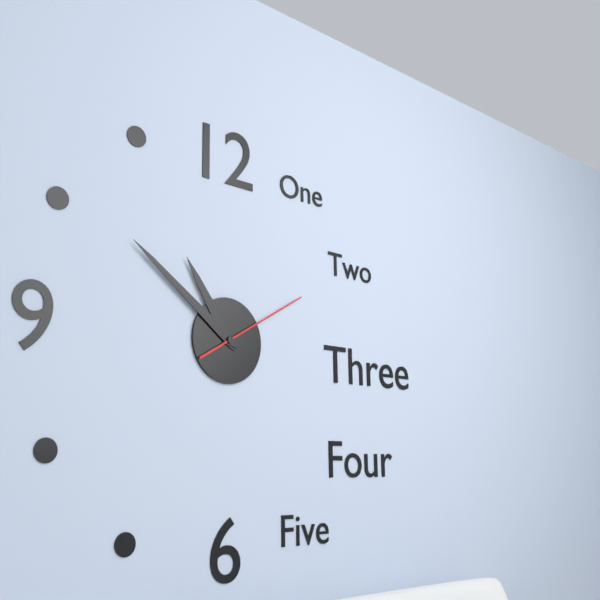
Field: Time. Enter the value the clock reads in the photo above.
10:51:10
